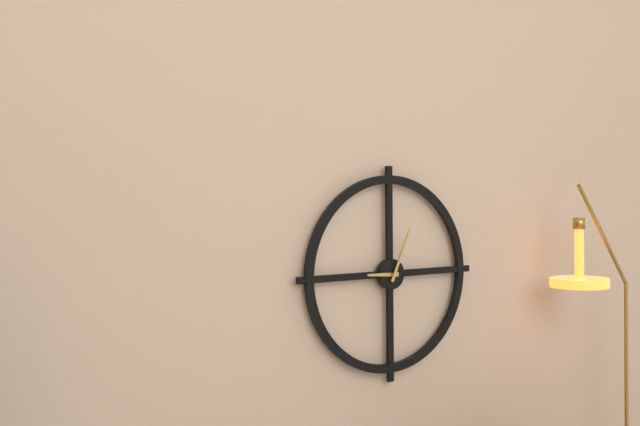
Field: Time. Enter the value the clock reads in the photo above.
9:04
